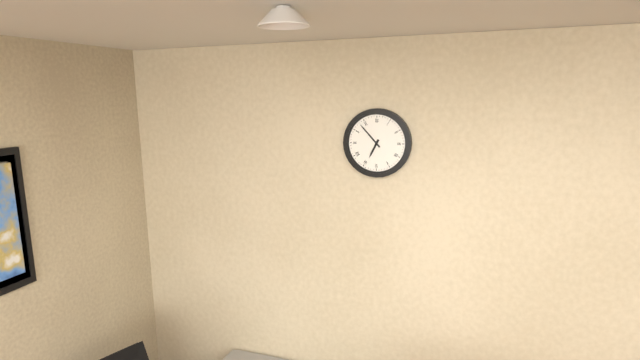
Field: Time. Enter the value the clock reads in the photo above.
6:53
